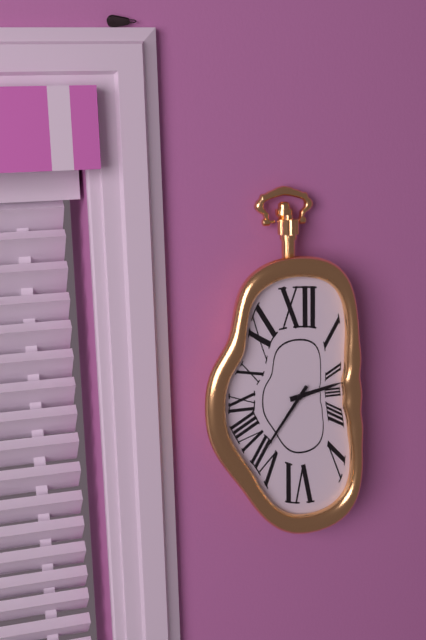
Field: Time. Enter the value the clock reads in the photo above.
2:36
